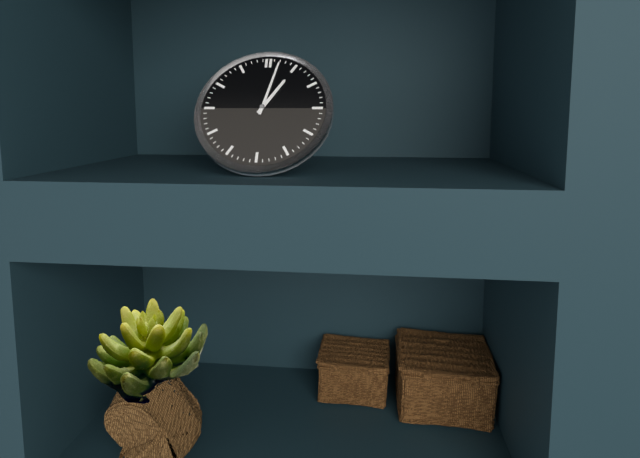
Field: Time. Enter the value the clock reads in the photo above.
1:02
